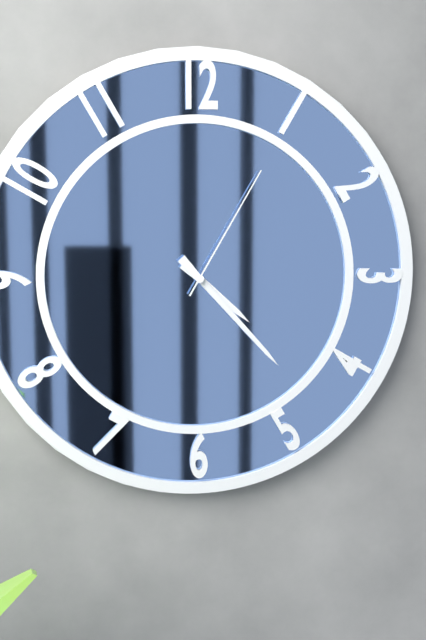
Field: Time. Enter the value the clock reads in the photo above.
4:23:05
